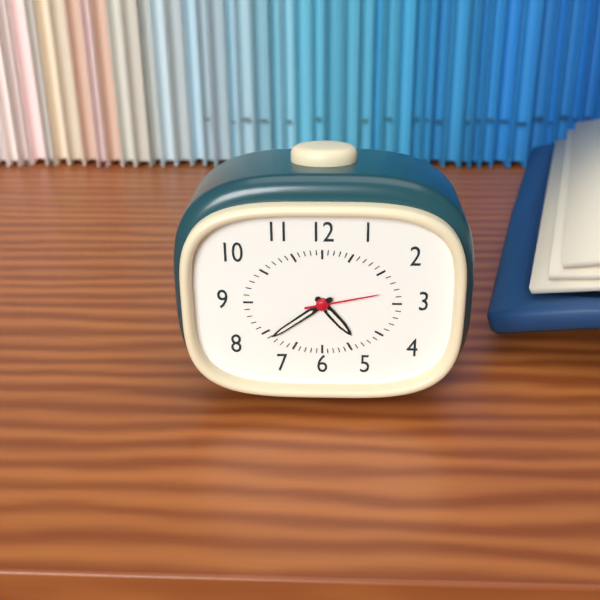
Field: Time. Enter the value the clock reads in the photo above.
4:39:13
